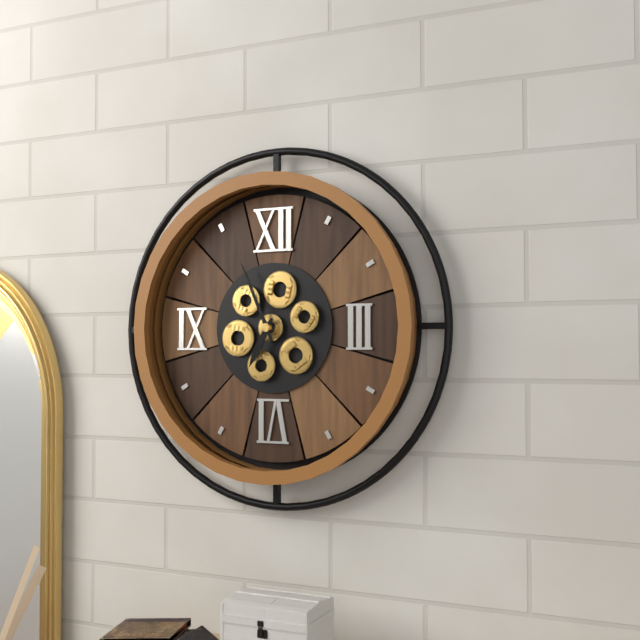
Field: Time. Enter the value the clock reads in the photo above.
6:56
